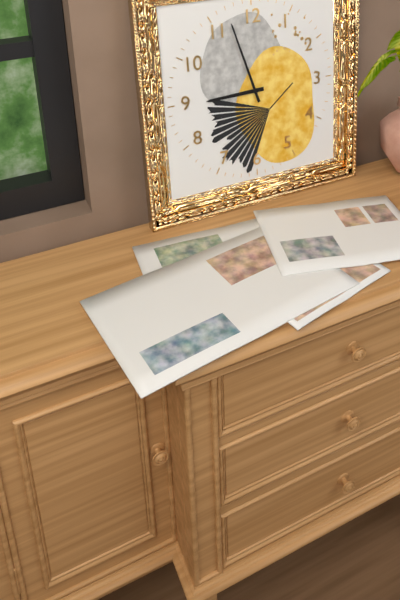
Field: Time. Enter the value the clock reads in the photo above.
8:57
